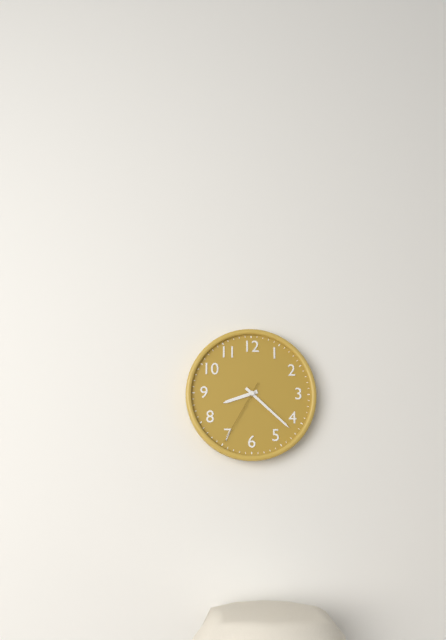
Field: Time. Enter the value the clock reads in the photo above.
8:22:35
